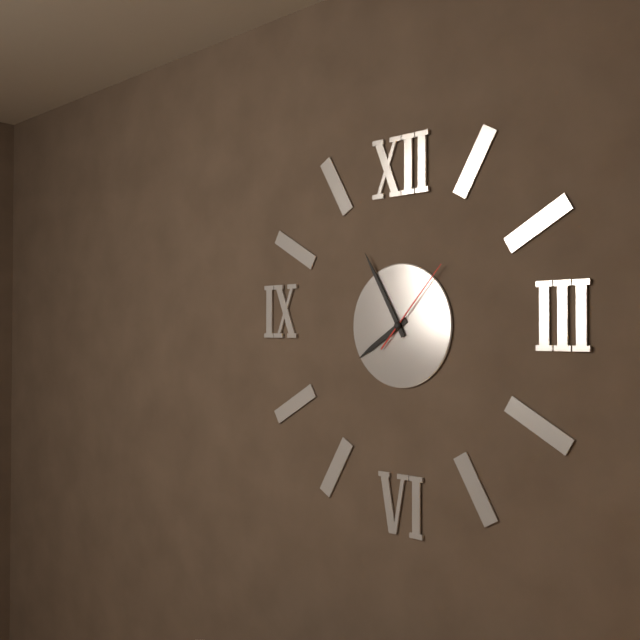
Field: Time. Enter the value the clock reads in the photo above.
7:55:07
